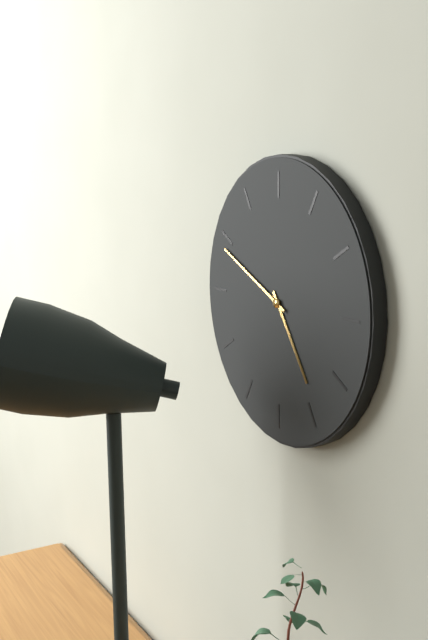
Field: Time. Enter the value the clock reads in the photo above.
4:49
